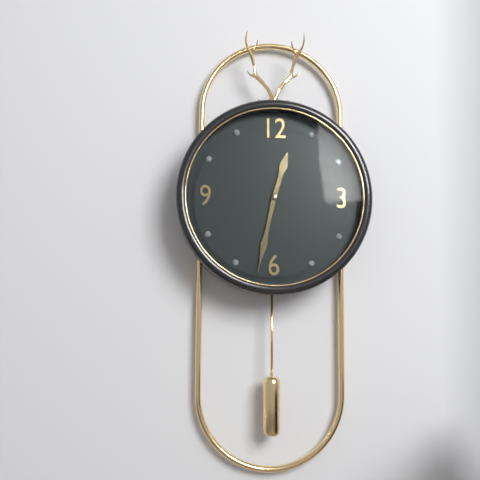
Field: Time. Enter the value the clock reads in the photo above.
12:32:32
